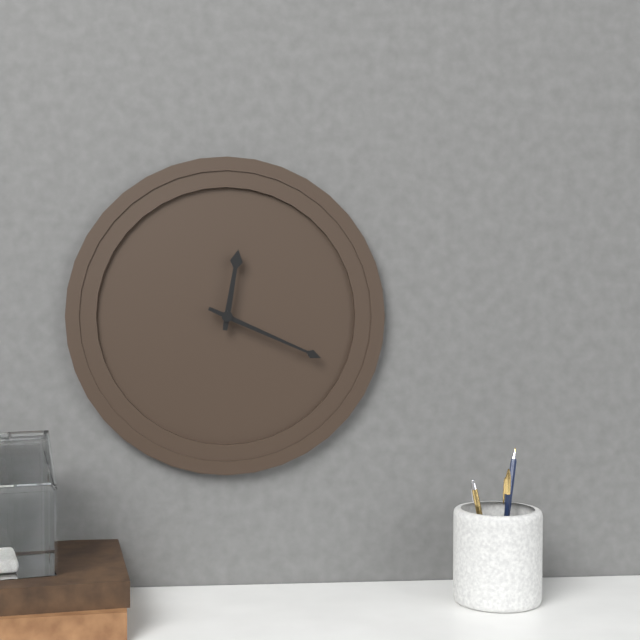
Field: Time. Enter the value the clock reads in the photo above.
12:19
